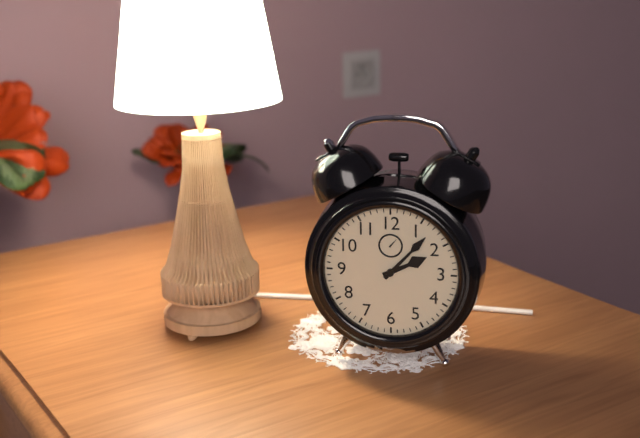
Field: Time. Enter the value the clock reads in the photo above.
2:07
